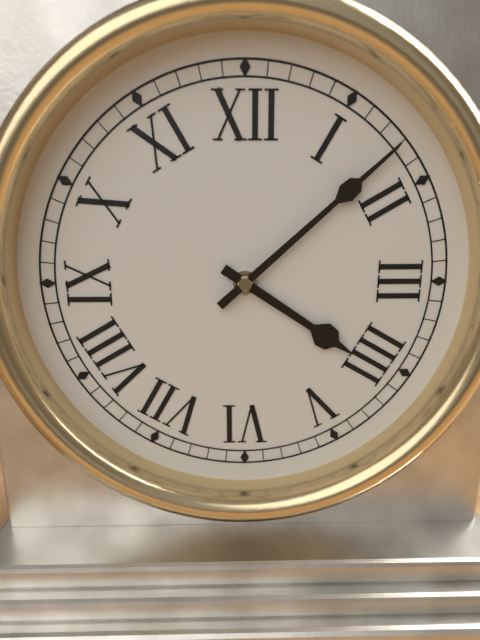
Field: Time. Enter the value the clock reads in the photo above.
4:08
